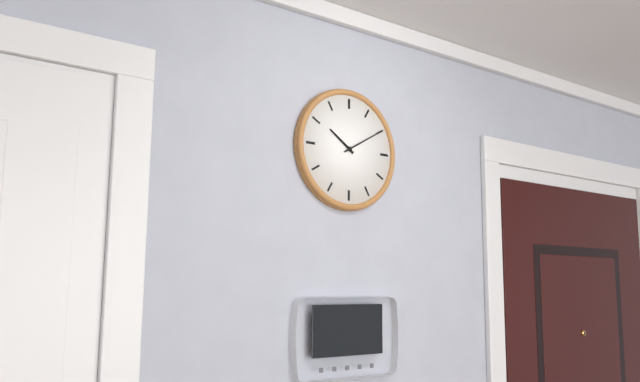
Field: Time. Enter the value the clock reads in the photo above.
10:10
